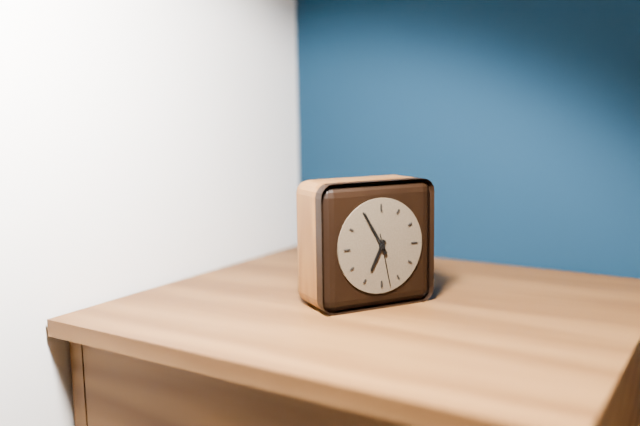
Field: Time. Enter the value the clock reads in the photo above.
6:55:28
